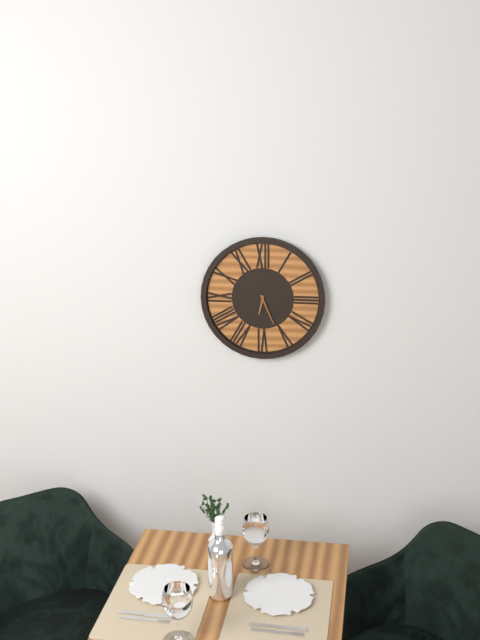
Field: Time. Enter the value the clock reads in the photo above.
6:26
